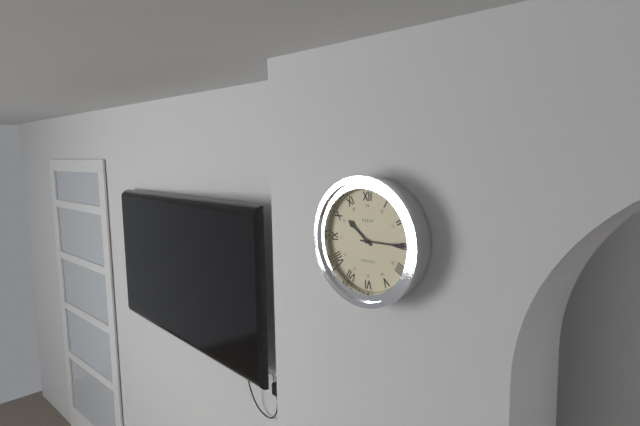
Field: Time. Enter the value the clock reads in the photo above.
10:15
